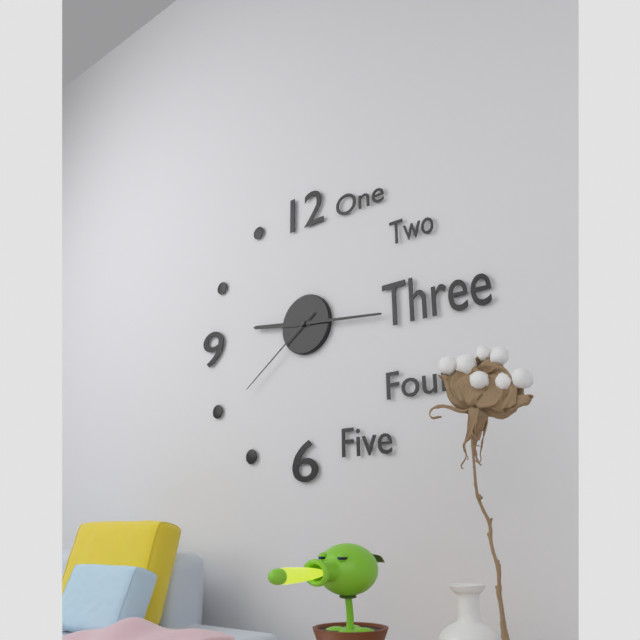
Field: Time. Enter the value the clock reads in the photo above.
9:16:39
